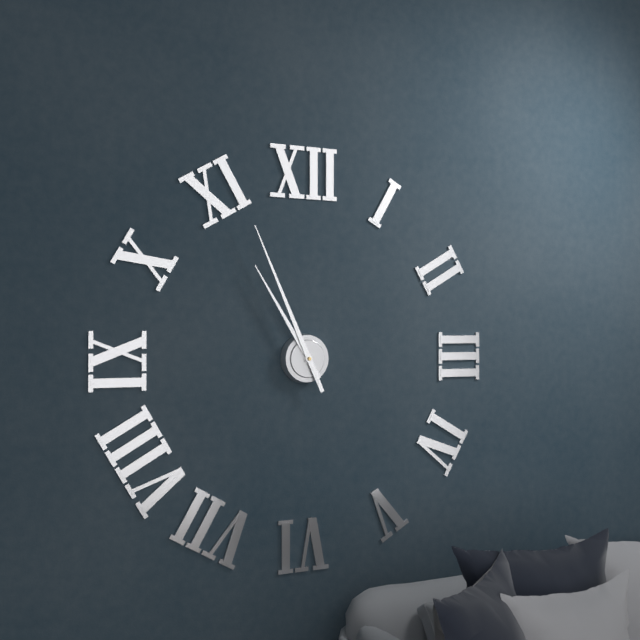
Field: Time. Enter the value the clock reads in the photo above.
10:56
